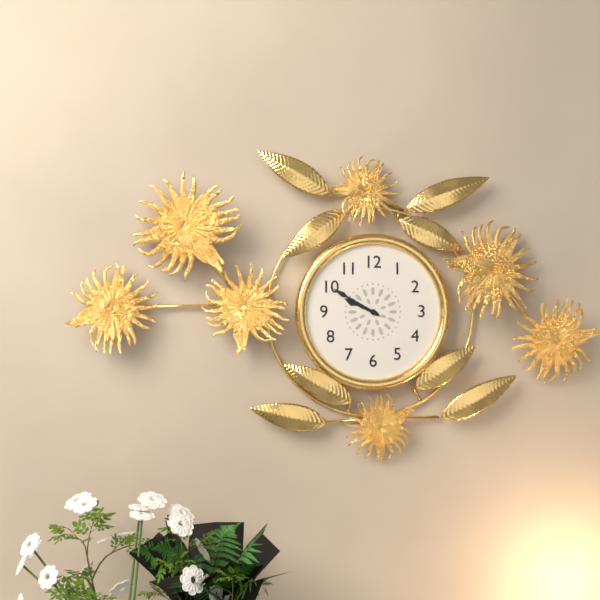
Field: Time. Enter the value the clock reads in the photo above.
9:50
